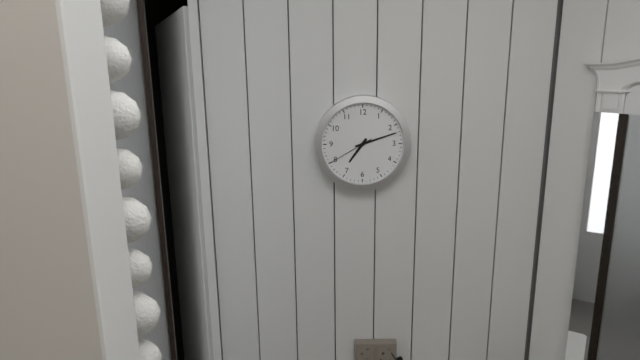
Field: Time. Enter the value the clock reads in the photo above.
7:12
